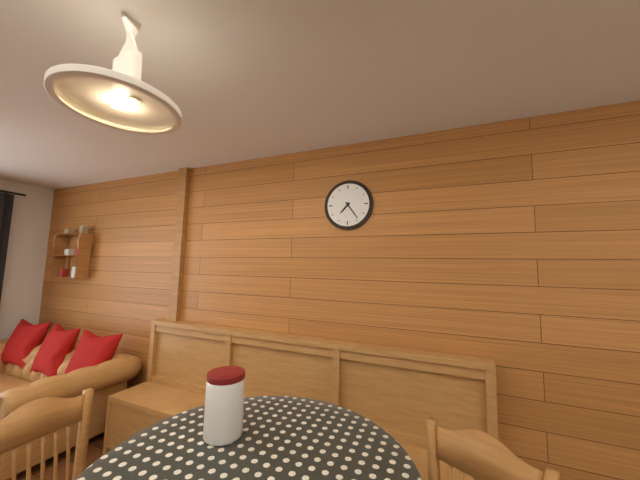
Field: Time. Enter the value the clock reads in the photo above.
7:24
